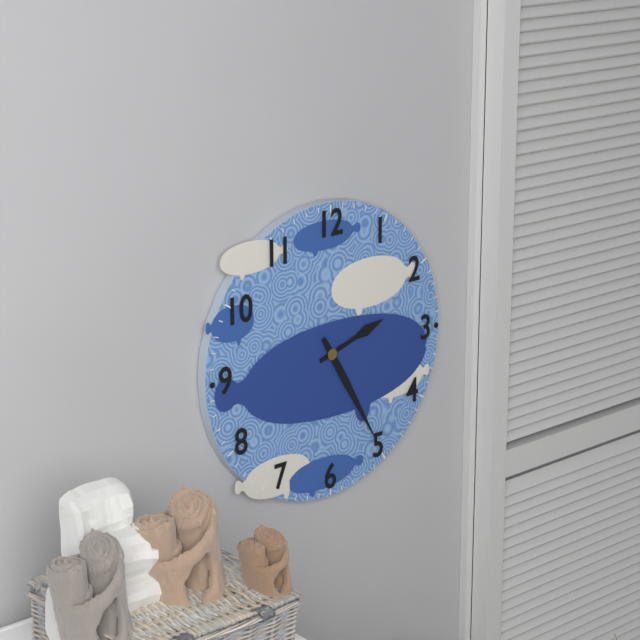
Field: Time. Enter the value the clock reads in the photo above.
2:25
